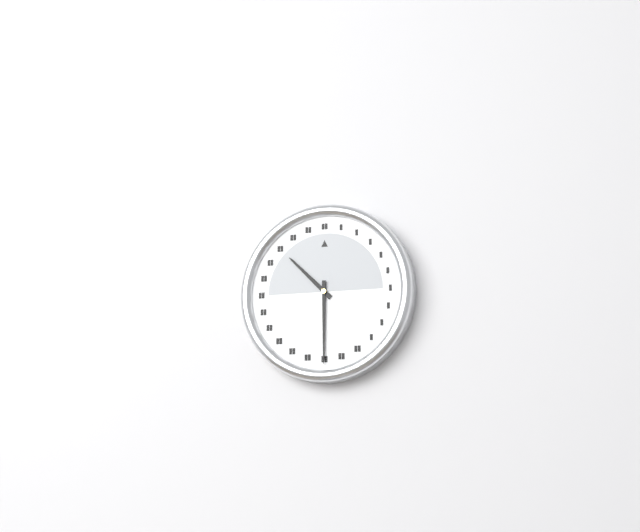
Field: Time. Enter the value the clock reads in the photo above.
10:30
